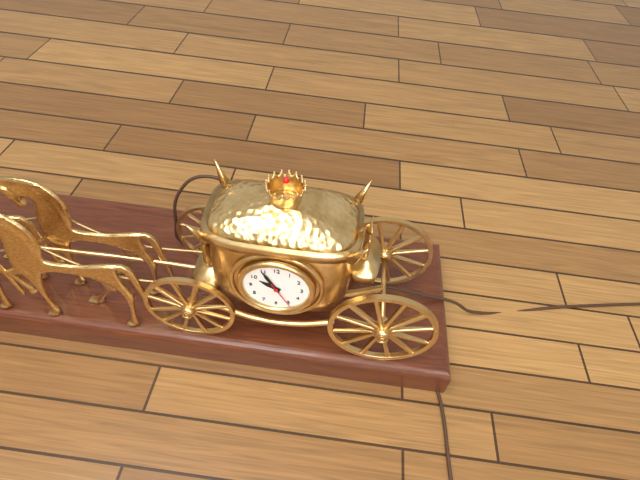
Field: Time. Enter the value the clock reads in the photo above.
9:55
